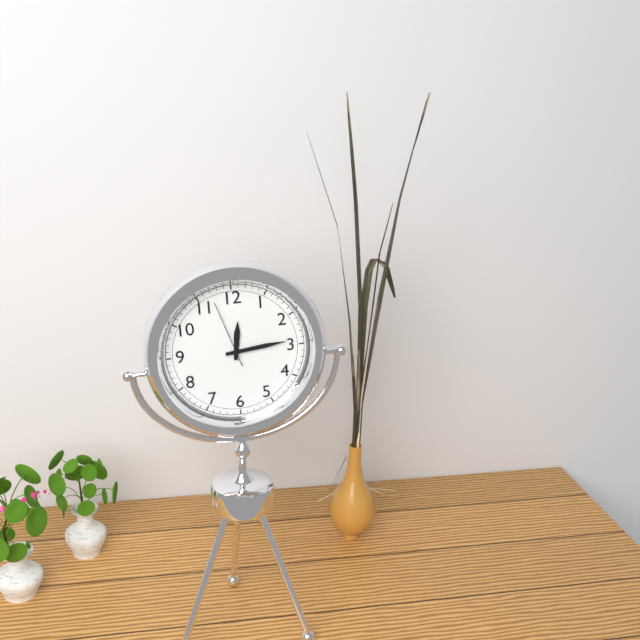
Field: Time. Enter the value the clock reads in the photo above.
12:14:57
